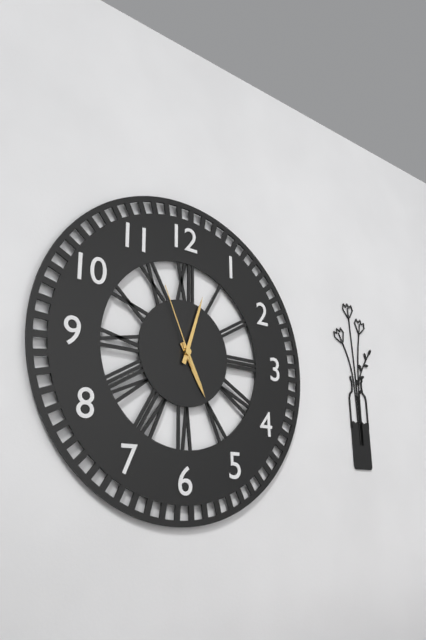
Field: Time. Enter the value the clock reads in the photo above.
5:03:56
